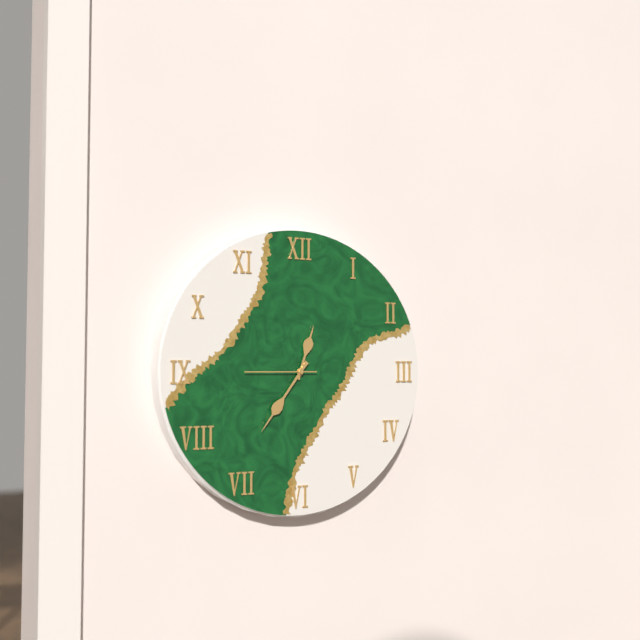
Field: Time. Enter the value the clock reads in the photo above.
12:36:45
